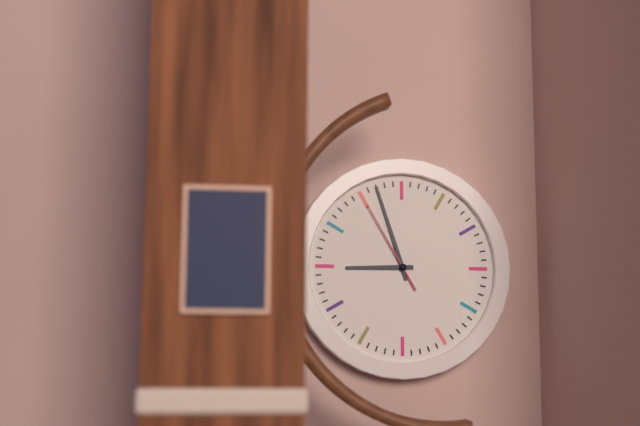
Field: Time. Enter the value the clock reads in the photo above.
8:57:55
